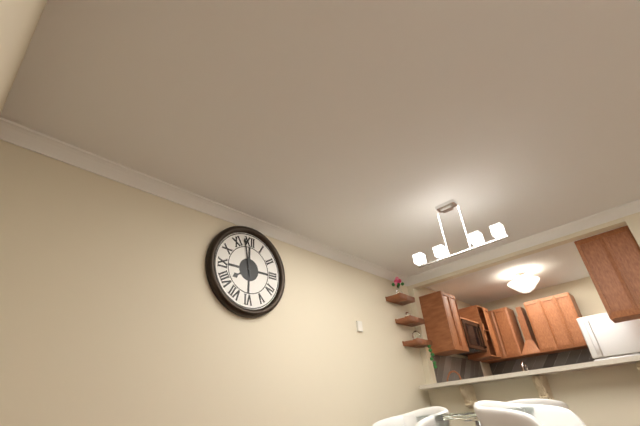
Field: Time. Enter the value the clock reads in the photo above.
7:58
